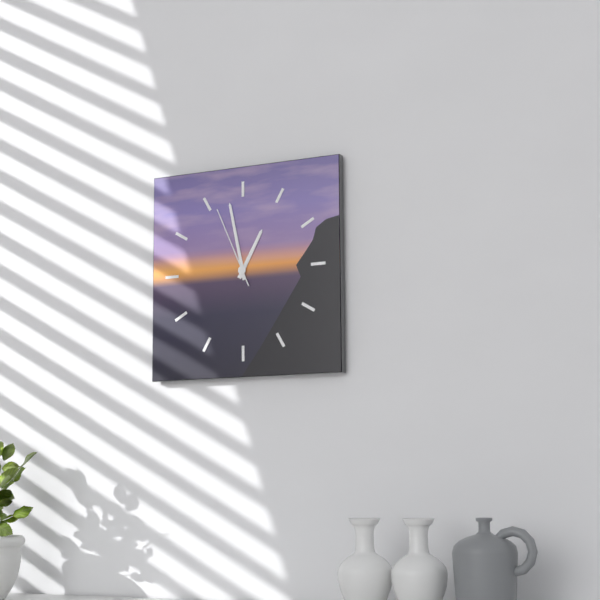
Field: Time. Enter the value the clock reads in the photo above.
12:58:56
